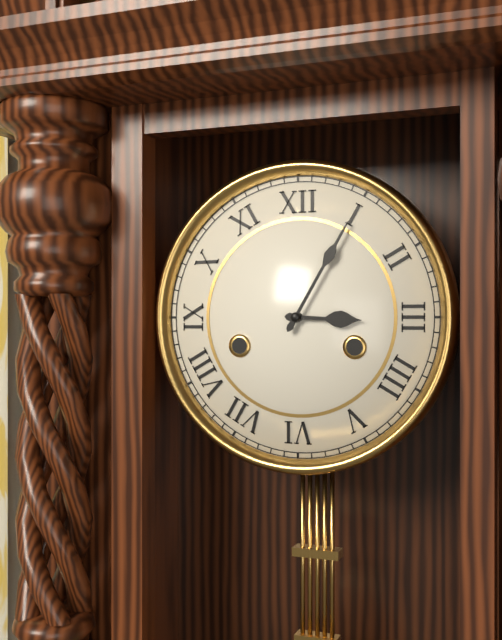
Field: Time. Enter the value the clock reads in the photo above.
3:05
